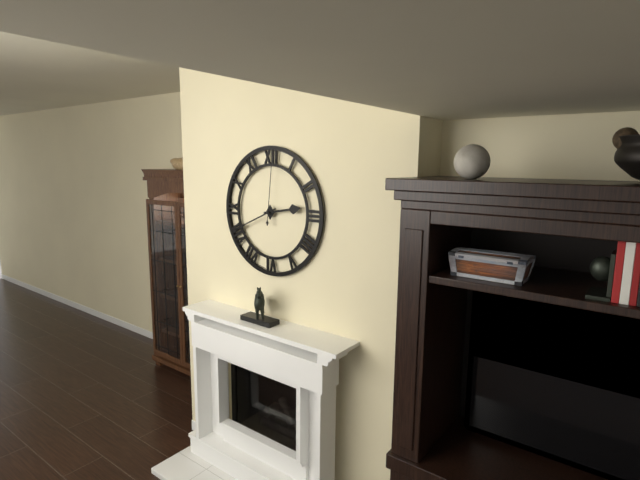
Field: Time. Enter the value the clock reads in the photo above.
2:41:01
